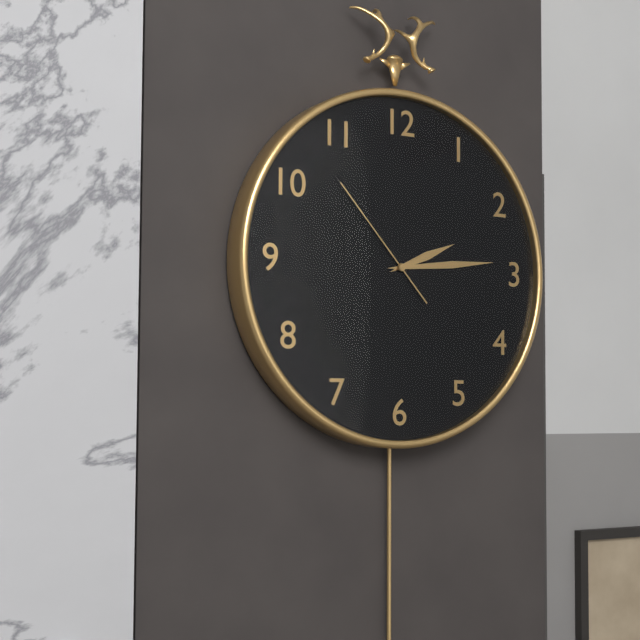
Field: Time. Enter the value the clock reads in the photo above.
2:14:53
